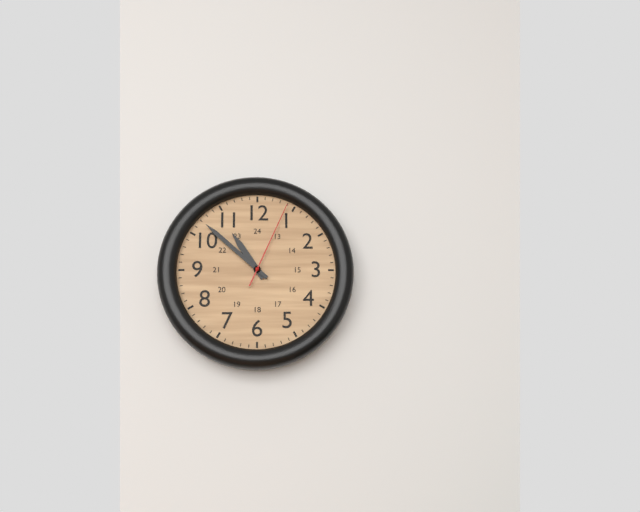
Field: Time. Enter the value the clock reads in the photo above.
10:52:04
